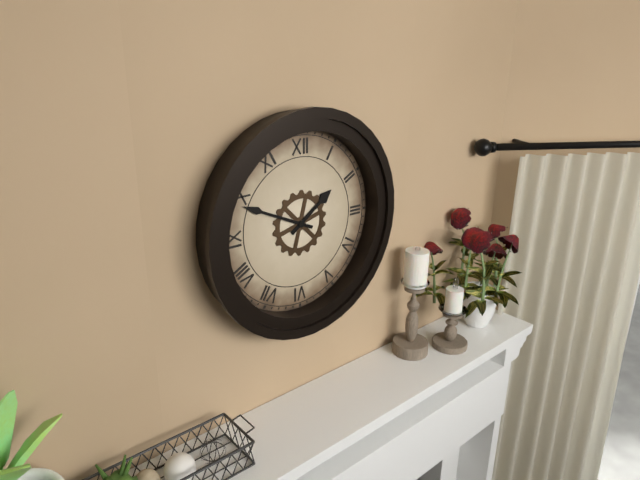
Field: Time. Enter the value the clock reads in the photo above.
1:49
